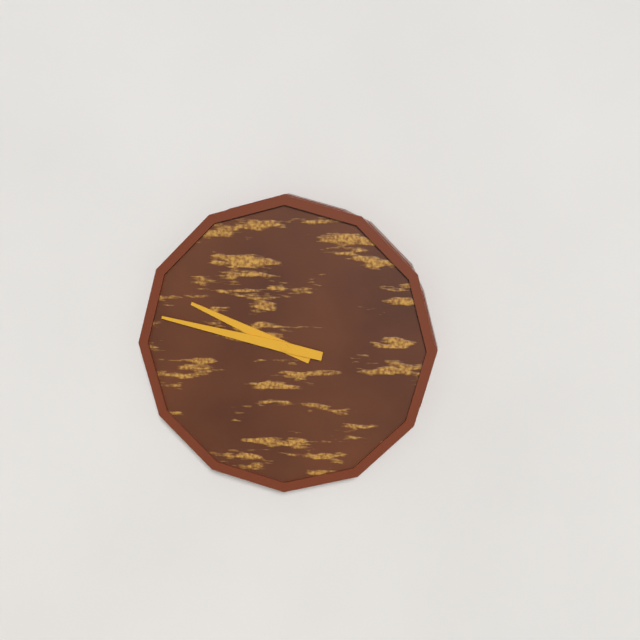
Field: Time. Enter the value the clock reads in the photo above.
9:47
